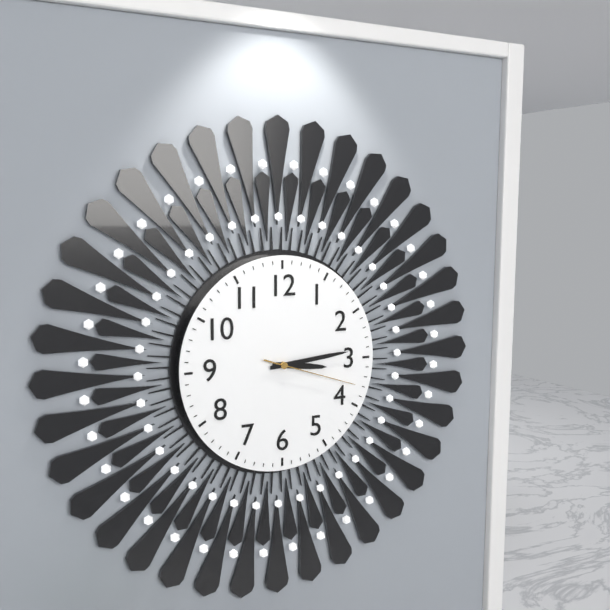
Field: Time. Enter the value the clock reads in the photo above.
3:14:18
